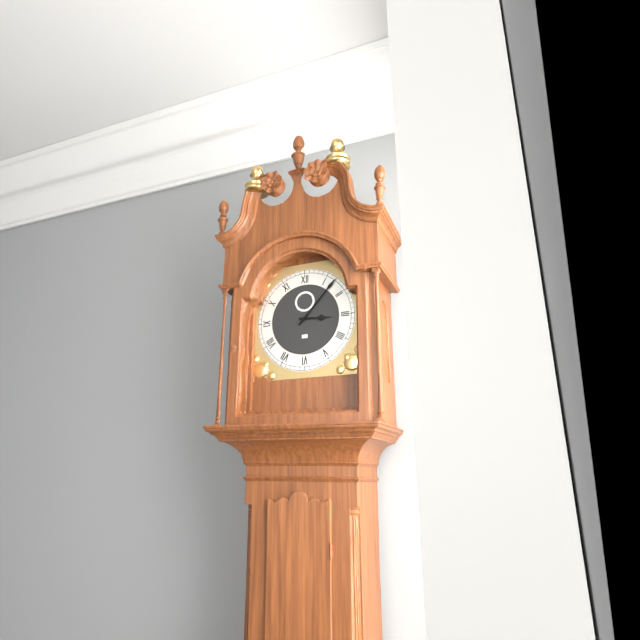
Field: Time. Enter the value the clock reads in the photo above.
3:07
